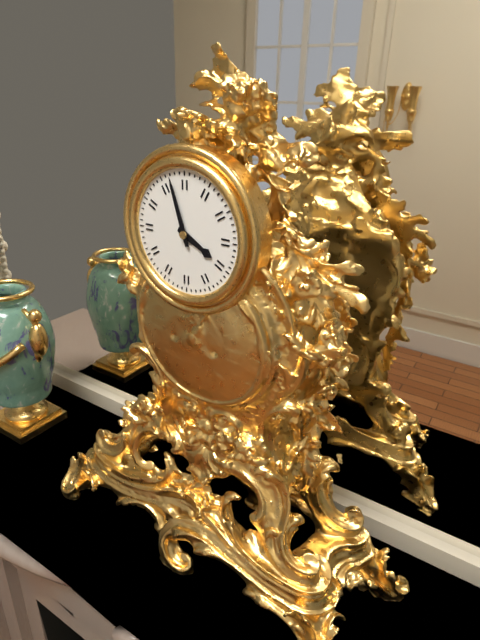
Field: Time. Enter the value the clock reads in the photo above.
3:57
